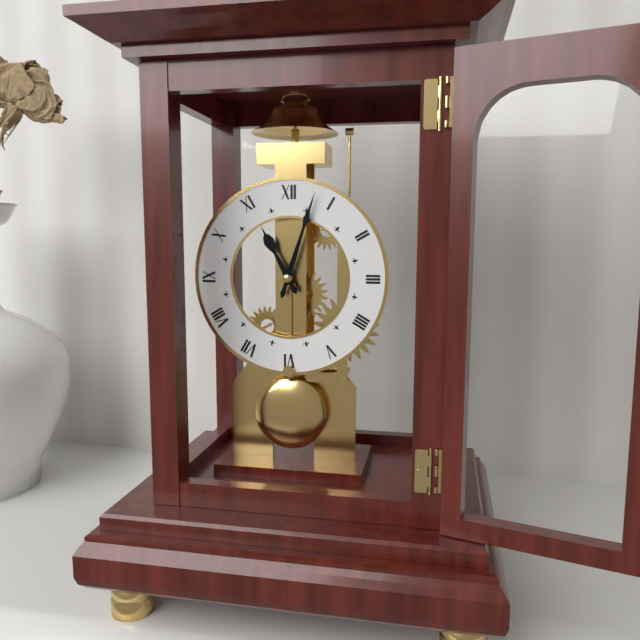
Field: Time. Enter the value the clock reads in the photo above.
11:03
